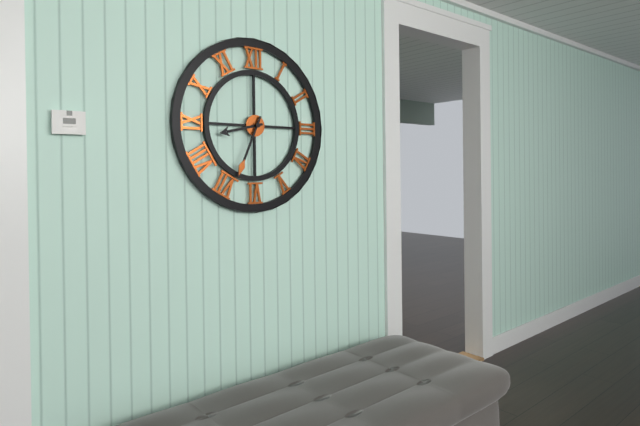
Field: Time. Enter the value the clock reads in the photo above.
8:34
